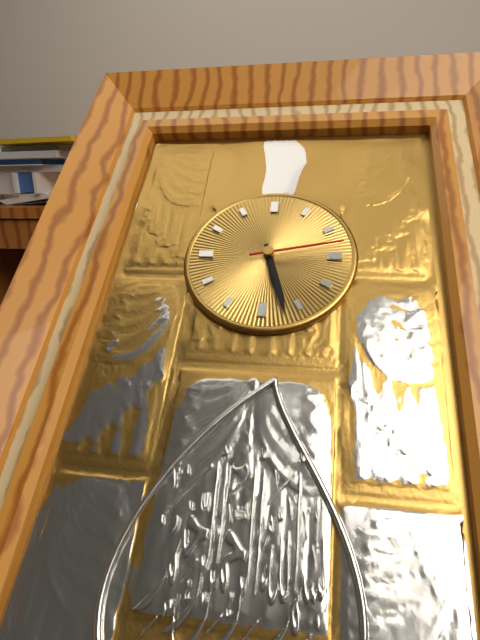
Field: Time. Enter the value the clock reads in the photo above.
5:27:13
